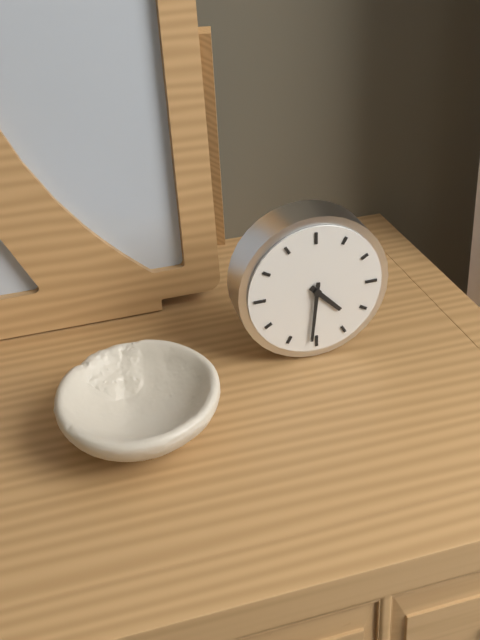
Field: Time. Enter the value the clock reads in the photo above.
4:31
